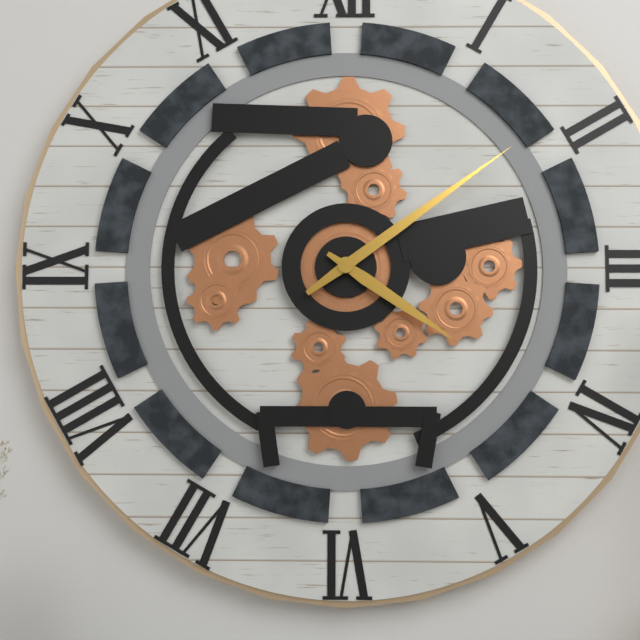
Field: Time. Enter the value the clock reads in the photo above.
4:09
